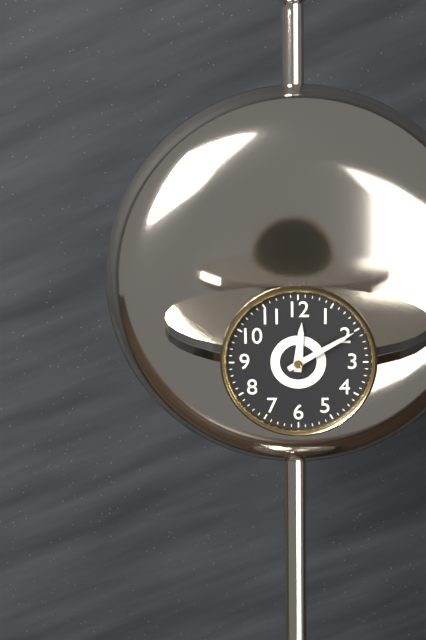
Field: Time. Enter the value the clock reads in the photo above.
12:10
